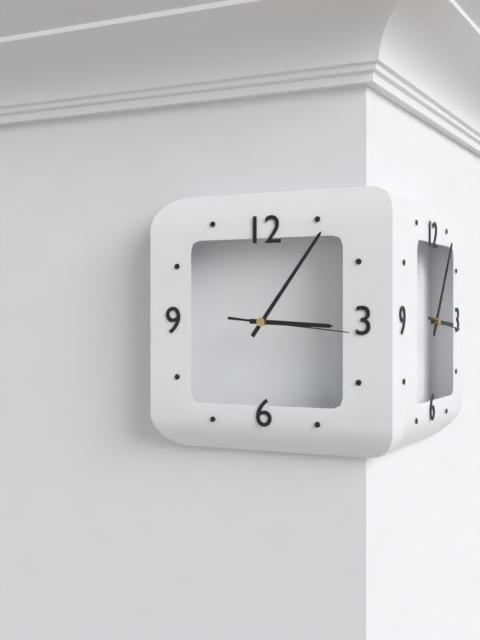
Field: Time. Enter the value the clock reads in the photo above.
3:06:16
